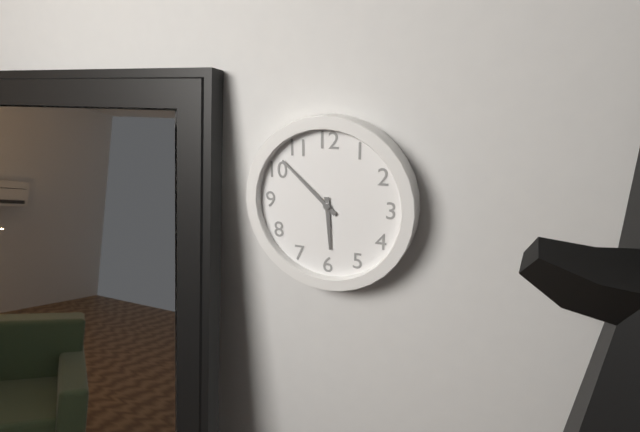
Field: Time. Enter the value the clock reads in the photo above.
5:52
